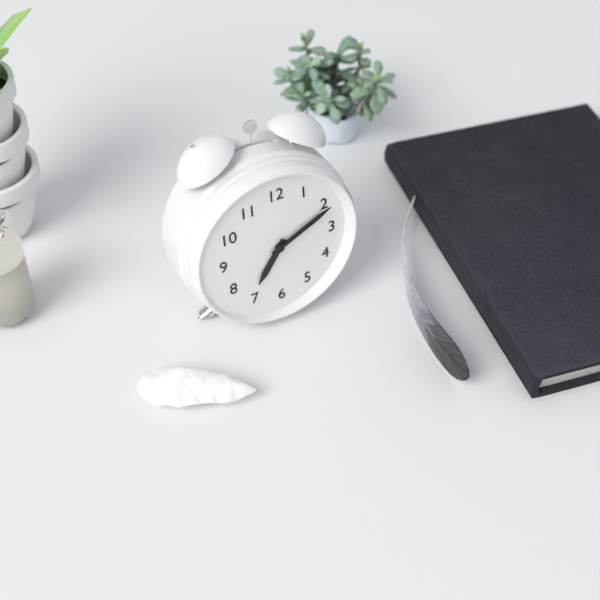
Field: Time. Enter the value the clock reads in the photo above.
7:11
